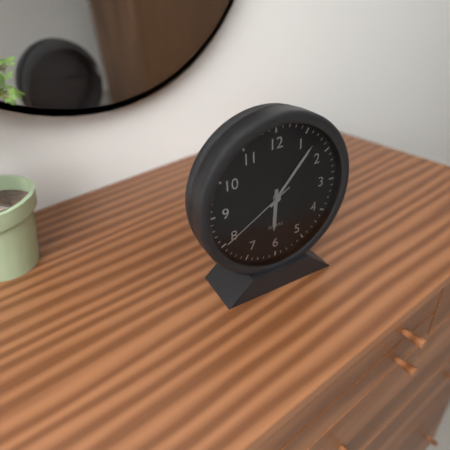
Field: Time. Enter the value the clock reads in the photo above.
6:07:40
